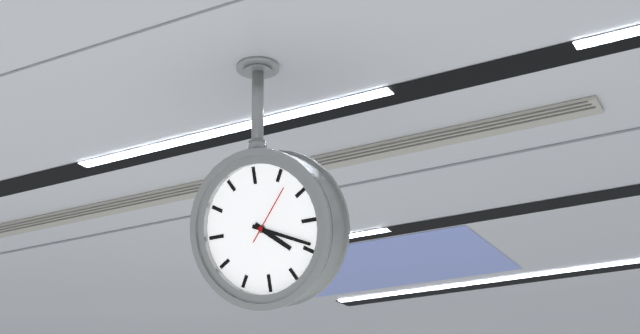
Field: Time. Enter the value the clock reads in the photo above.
4:19:07
